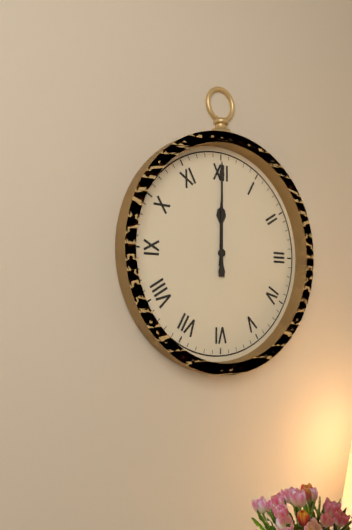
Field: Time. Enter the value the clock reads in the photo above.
12:00
